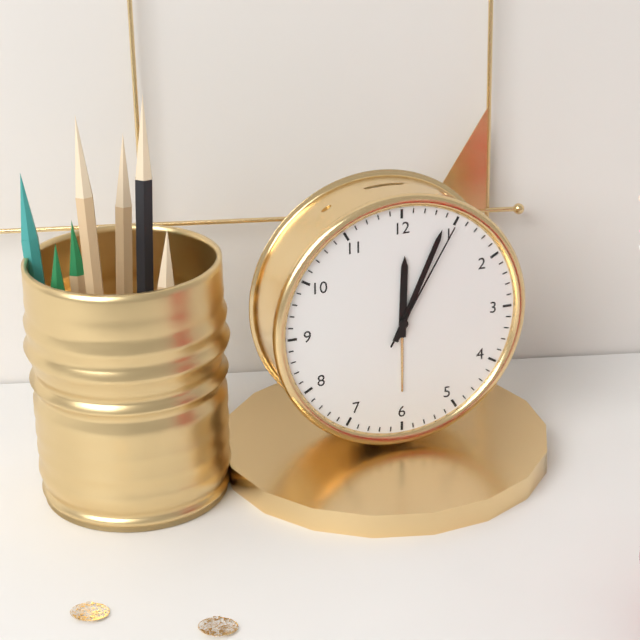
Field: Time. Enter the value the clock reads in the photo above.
12:04:05
